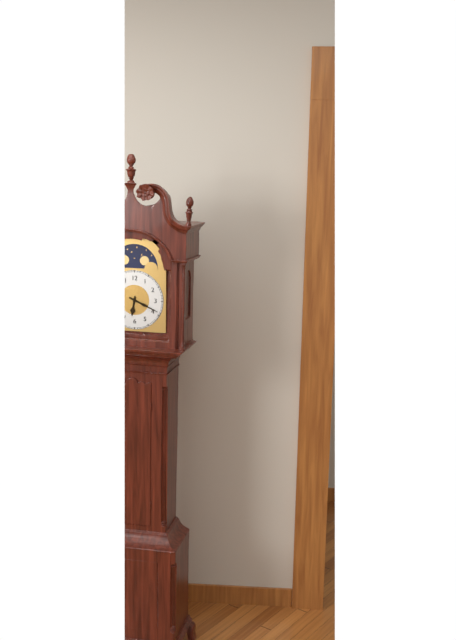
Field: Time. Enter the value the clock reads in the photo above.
6:19
